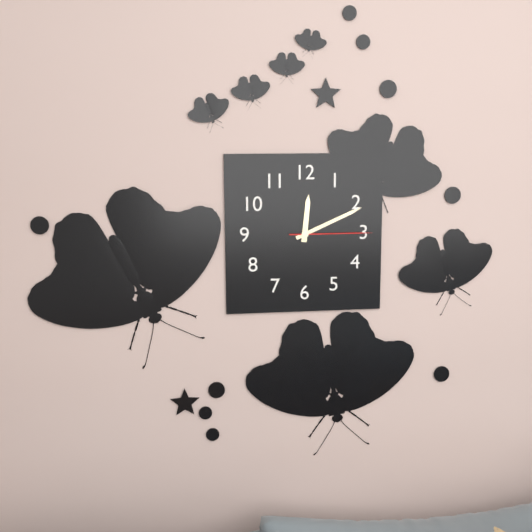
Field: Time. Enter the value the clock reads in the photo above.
12:11:15
